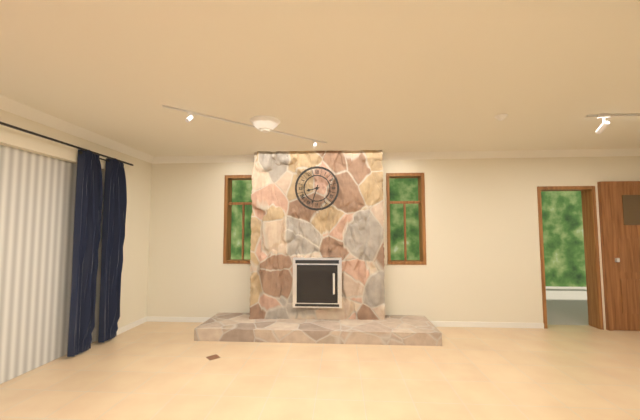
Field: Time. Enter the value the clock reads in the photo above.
8:33
